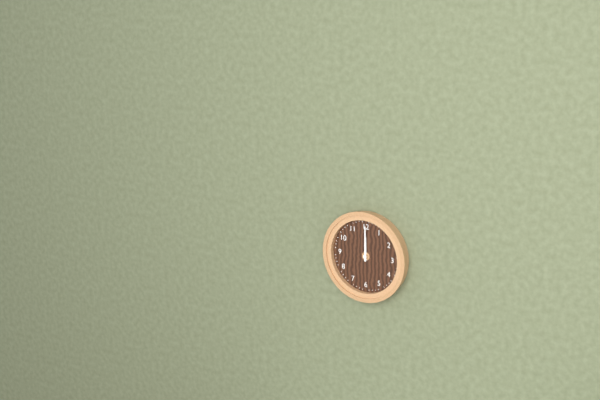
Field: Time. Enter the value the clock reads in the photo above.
12:00
